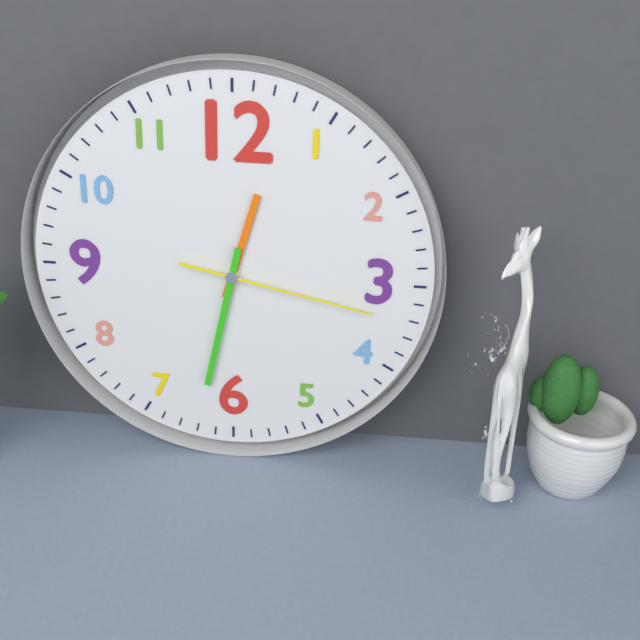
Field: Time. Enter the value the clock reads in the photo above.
12:32:17
